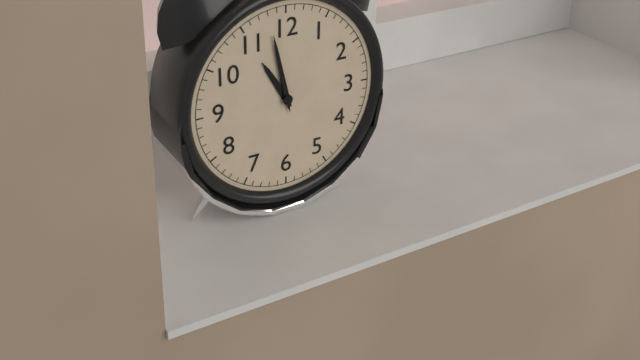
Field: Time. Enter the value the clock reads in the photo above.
10:58
